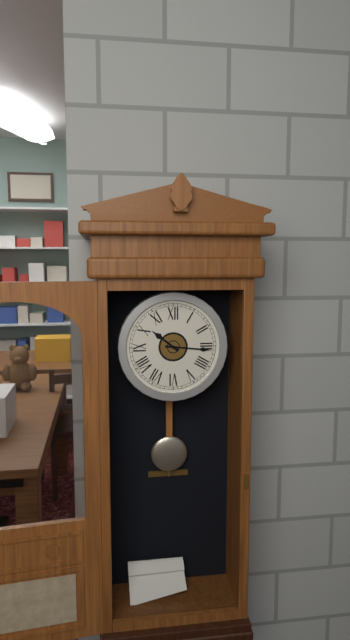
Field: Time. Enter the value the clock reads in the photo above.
10:16
